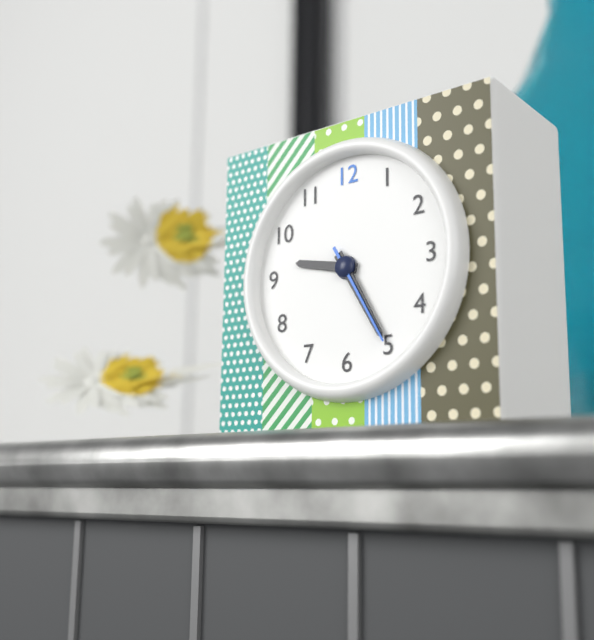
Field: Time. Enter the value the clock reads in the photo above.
9:25:25
